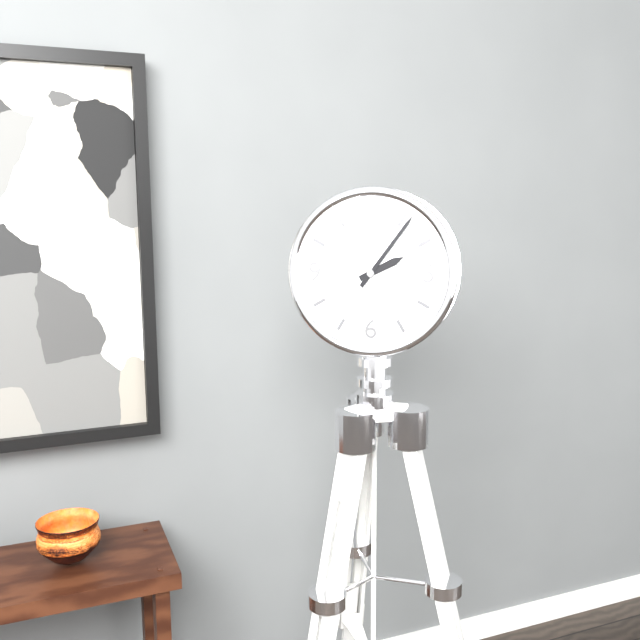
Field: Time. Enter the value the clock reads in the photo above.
2:06
